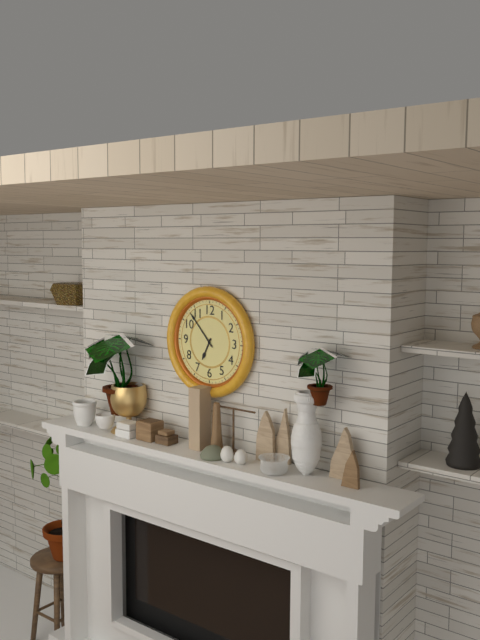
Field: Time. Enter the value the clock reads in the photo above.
6:53
